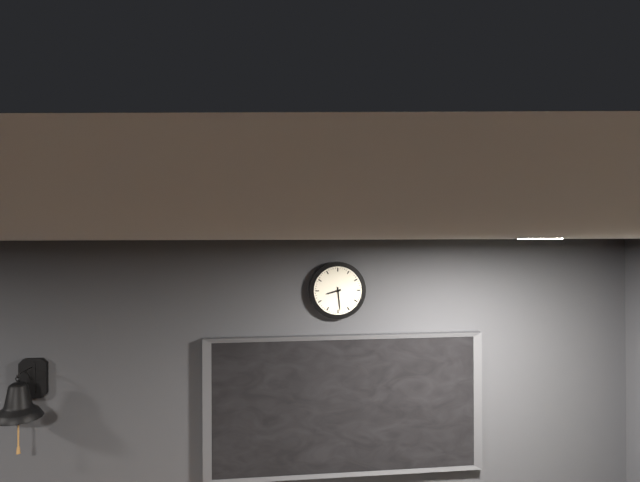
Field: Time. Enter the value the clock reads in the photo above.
8:29
